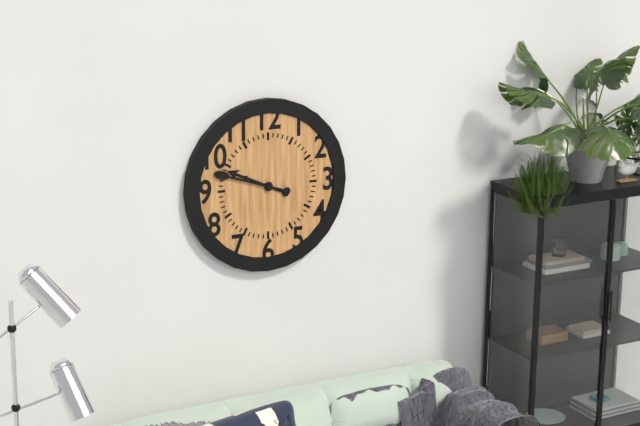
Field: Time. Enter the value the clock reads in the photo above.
9:48
